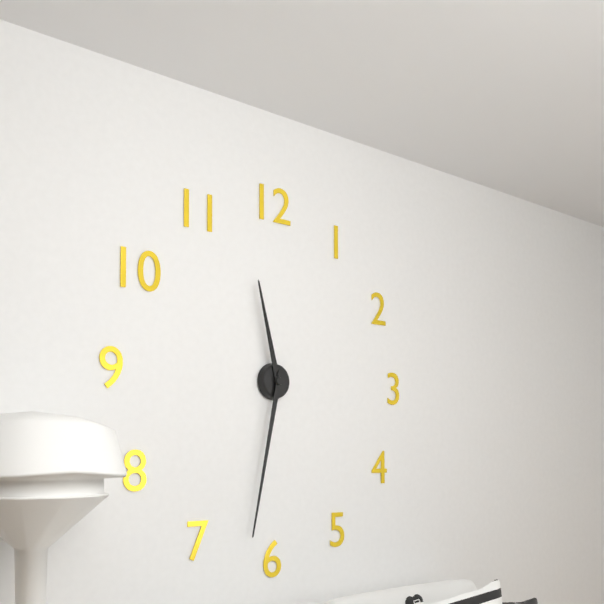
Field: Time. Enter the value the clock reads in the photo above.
11:32
